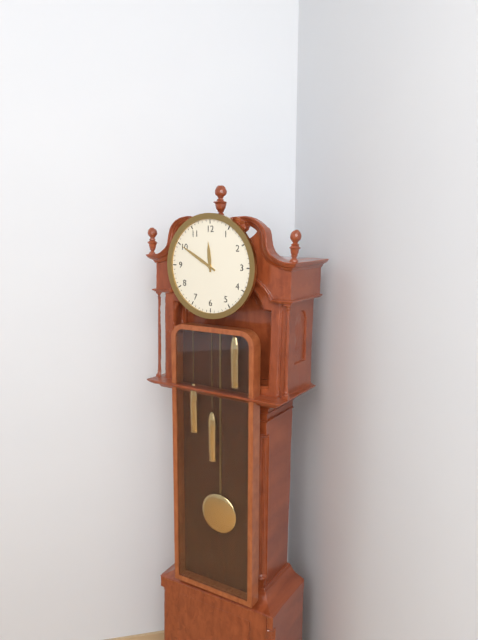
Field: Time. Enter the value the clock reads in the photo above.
11:50
